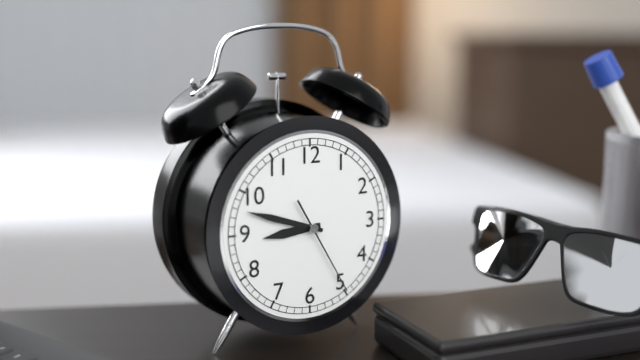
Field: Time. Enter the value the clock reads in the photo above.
8:48:25
